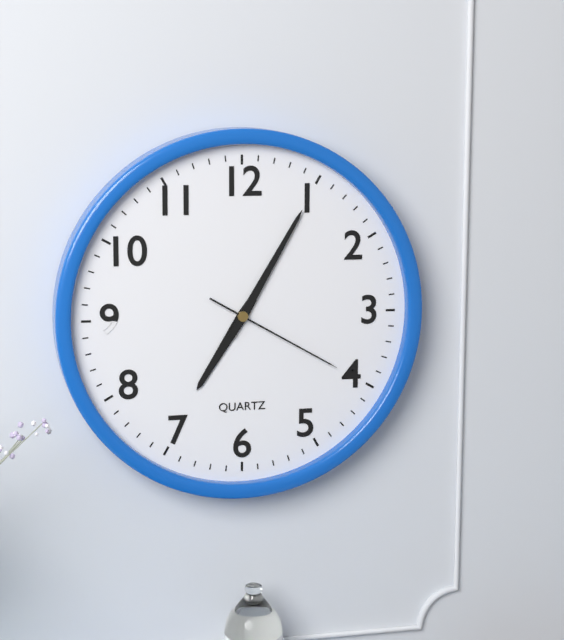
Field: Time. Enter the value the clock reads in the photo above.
7:05:20
